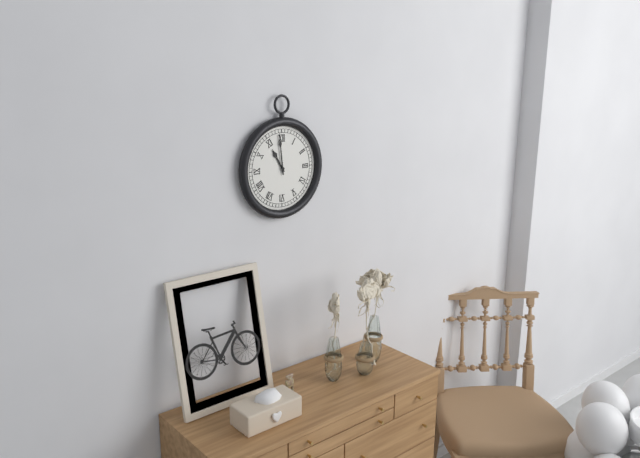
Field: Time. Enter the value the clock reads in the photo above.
10:59
